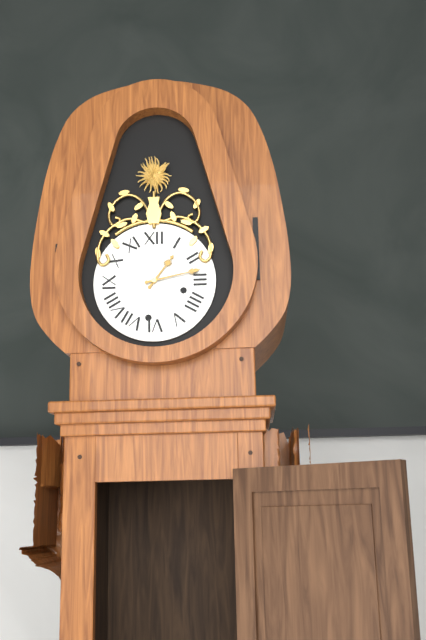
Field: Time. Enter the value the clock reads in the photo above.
1:13
